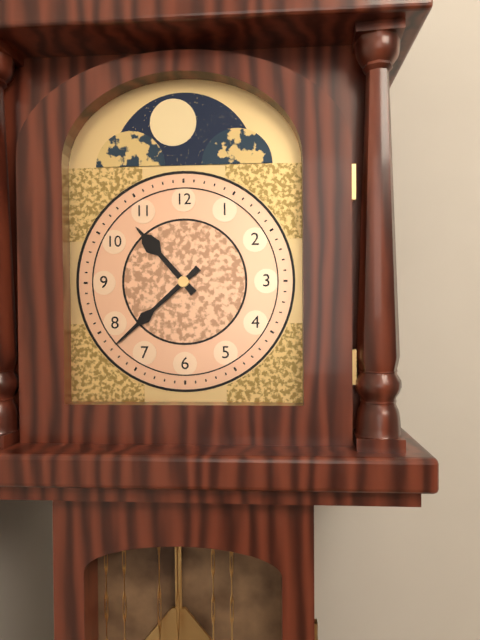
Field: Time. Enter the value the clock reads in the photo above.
10:38
